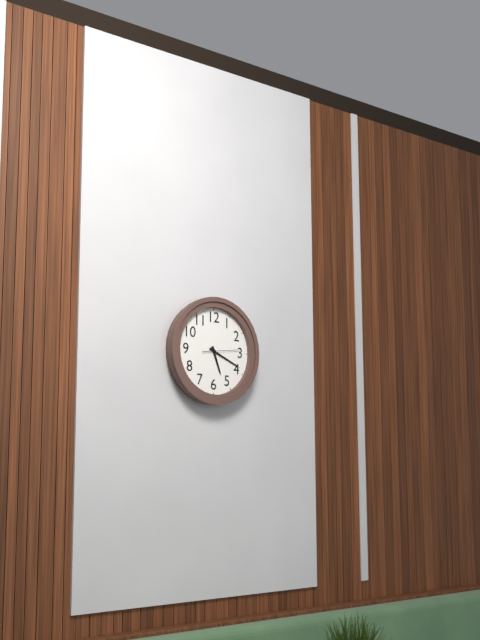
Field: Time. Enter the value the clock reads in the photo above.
5:19
